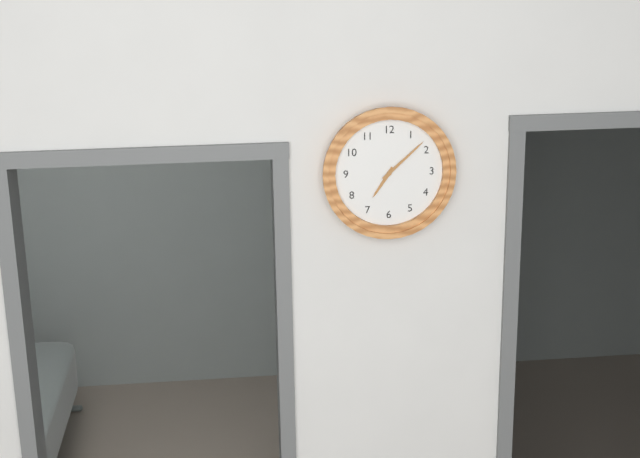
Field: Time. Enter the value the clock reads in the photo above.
7:08
